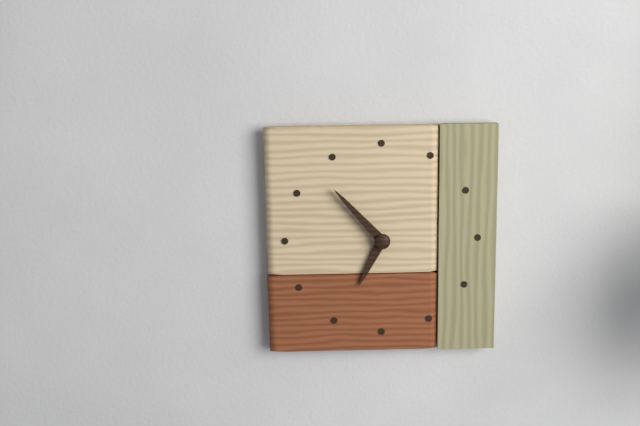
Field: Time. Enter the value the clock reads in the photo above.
6:53
